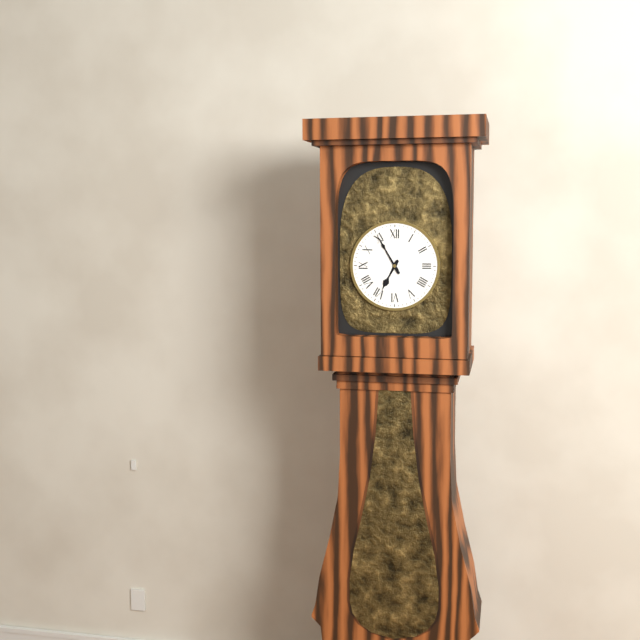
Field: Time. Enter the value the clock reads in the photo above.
6:55
